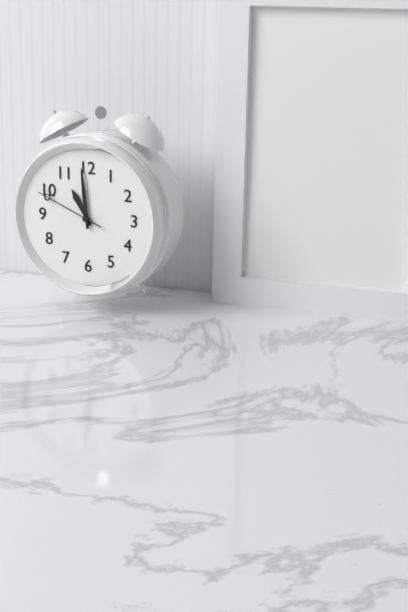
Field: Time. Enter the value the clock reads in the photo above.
10:59:49
